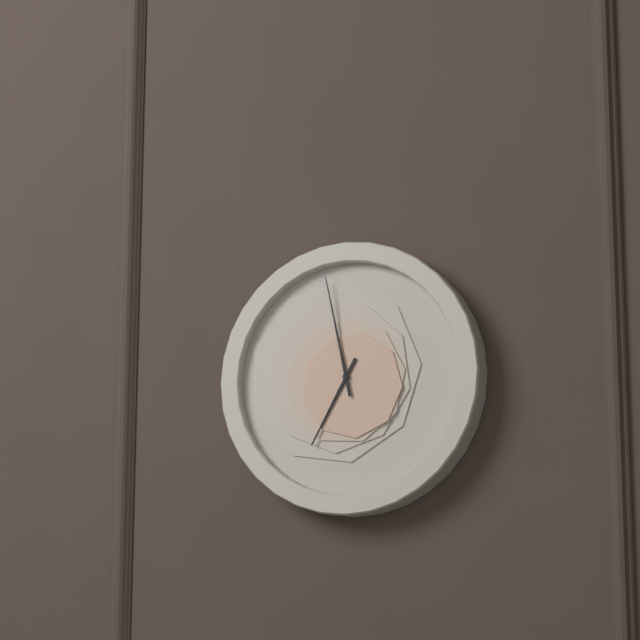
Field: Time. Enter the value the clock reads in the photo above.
6:58
